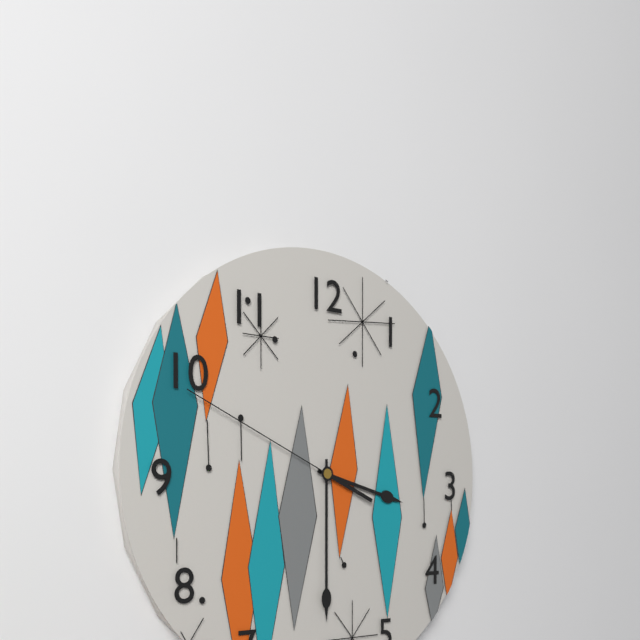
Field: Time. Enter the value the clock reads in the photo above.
3:30:49
